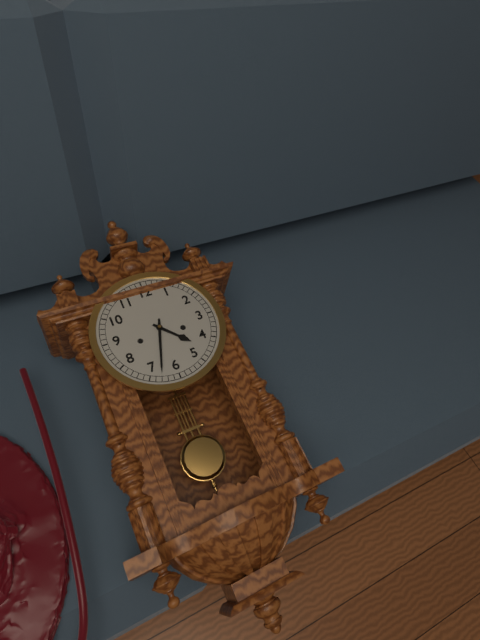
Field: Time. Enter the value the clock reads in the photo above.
4:33
